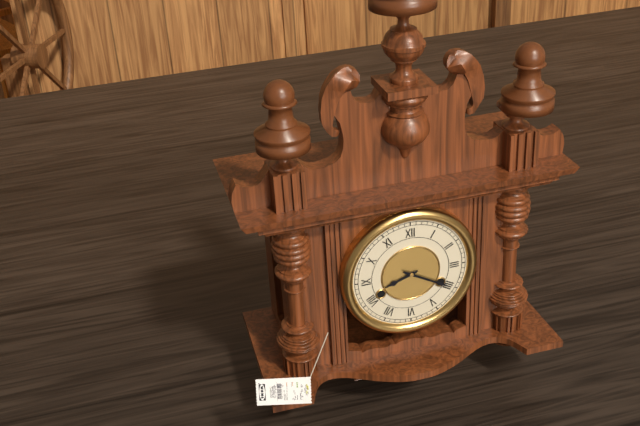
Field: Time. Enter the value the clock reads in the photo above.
8:20
